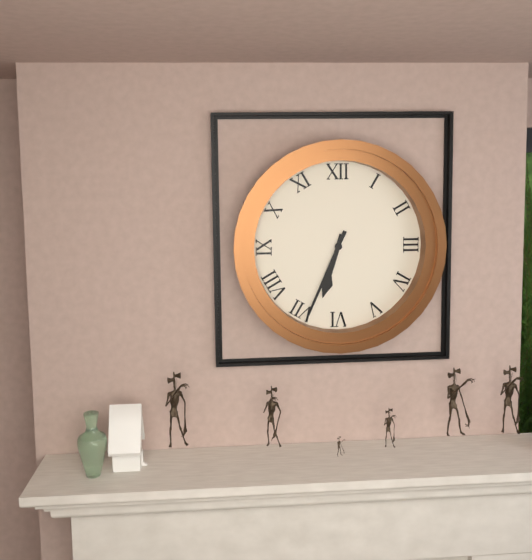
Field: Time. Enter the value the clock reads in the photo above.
6:34
